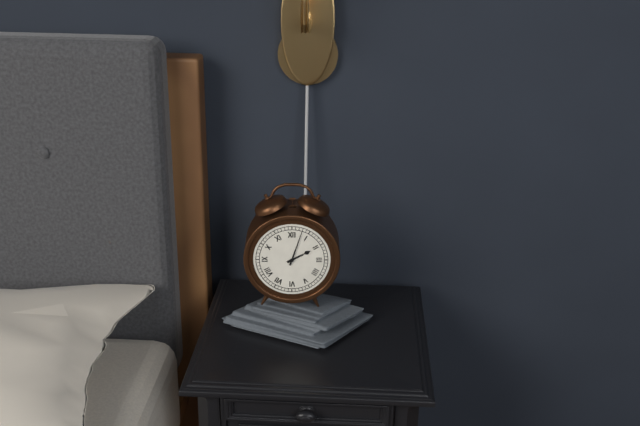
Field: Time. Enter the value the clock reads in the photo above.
2:03
